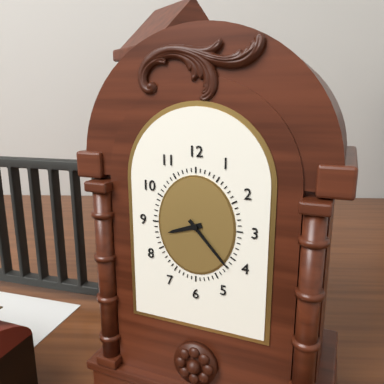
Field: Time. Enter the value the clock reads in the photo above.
8:23
